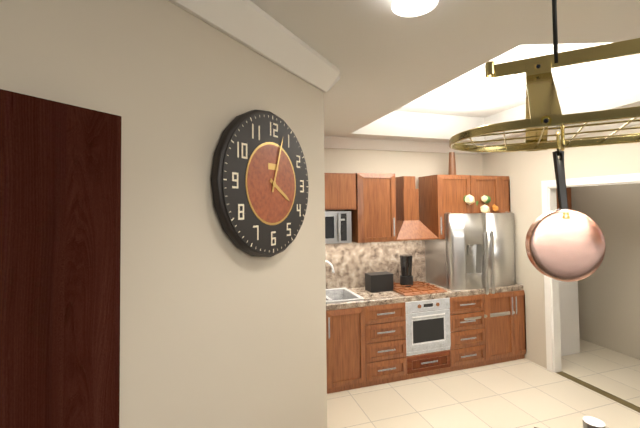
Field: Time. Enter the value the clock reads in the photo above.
4:03
